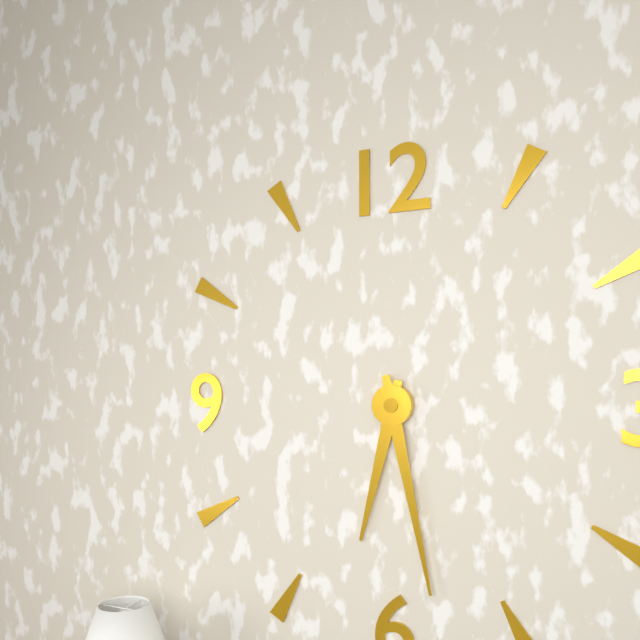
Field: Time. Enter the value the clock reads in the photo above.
6:28
